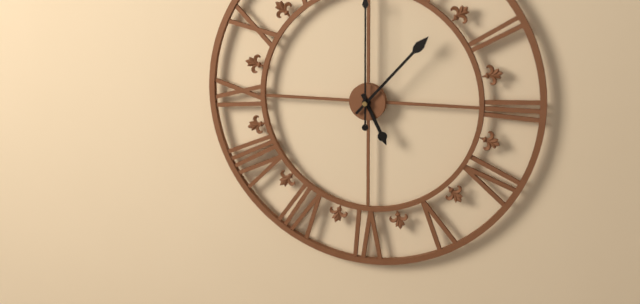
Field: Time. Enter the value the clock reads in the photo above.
5:07
